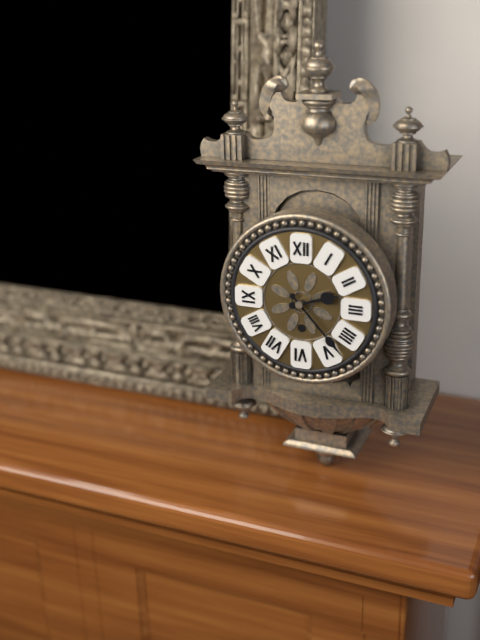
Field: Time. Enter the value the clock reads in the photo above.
2:23
